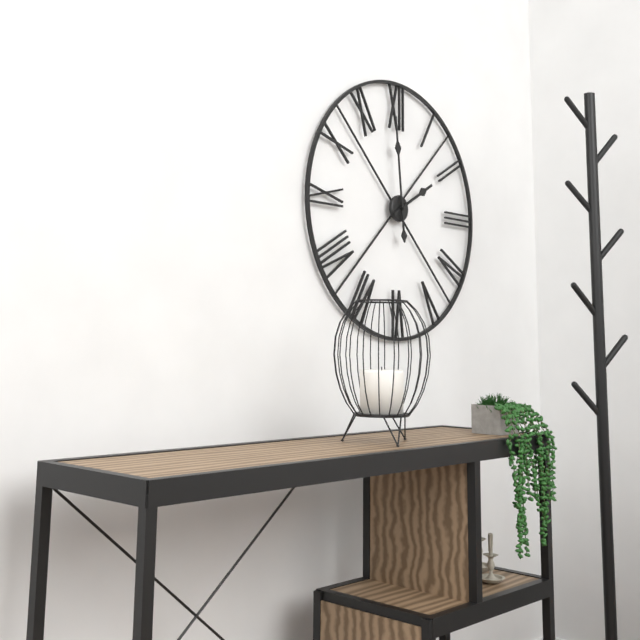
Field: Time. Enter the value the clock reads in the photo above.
1:59
